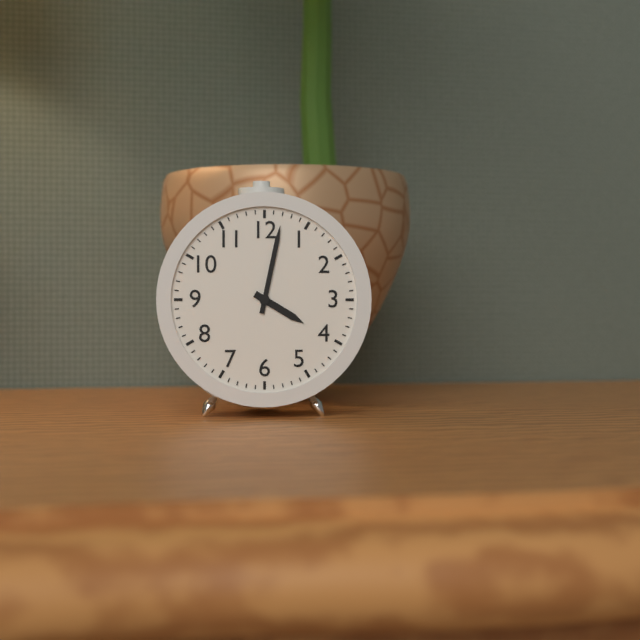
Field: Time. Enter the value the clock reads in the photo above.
4:02
